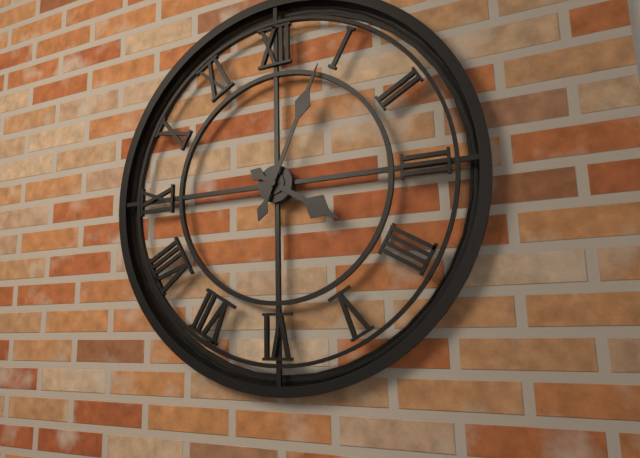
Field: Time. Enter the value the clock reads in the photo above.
4:04
